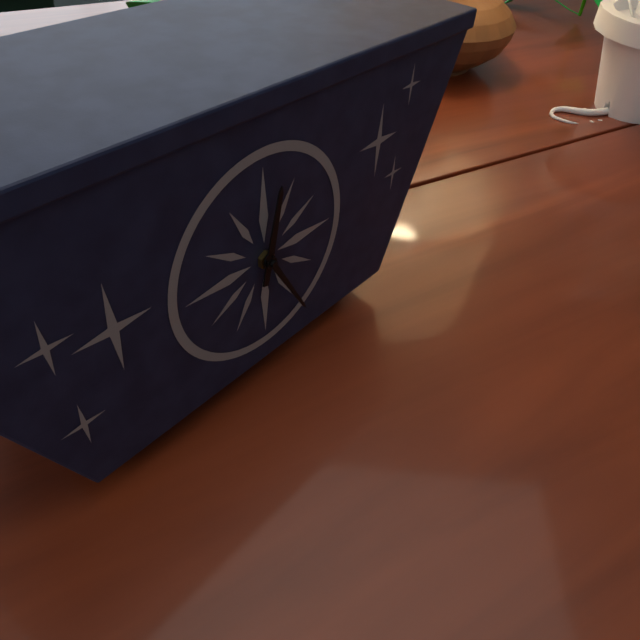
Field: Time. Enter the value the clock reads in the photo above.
12:25
